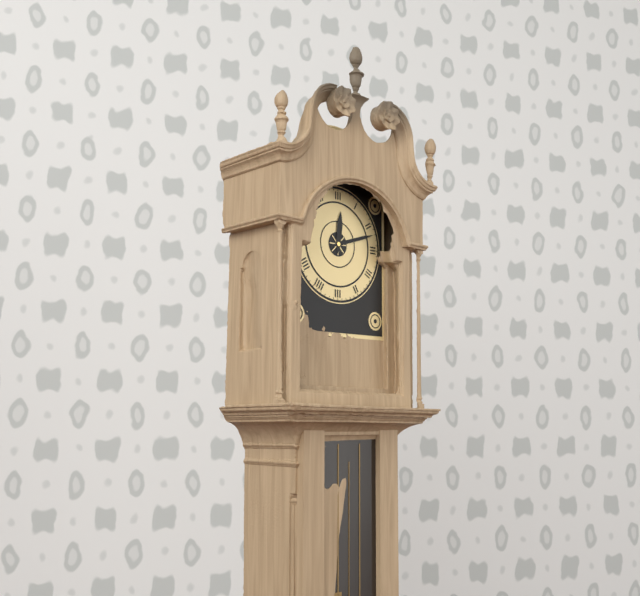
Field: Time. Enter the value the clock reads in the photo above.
12:12
